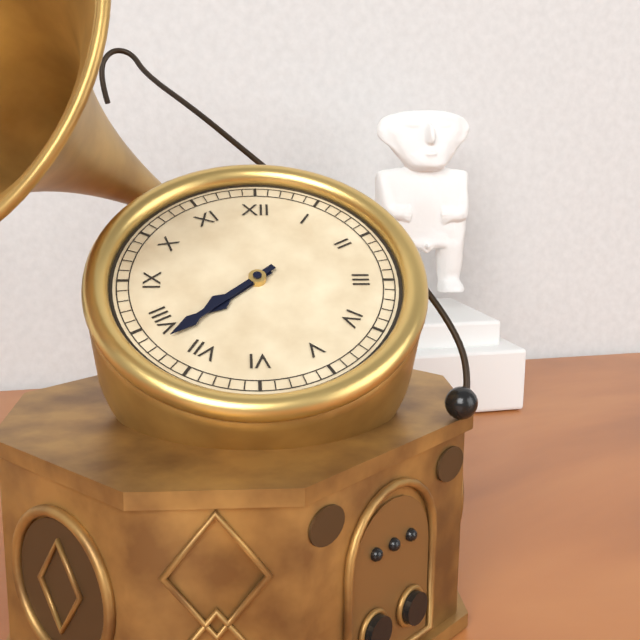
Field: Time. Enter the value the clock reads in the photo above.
7:38
